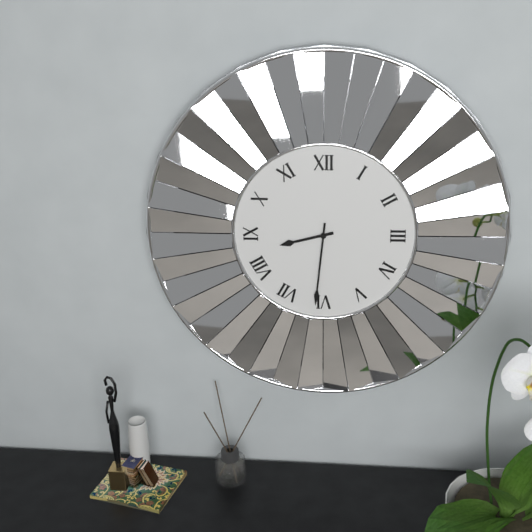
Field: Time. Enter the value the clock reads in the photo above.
8:31
